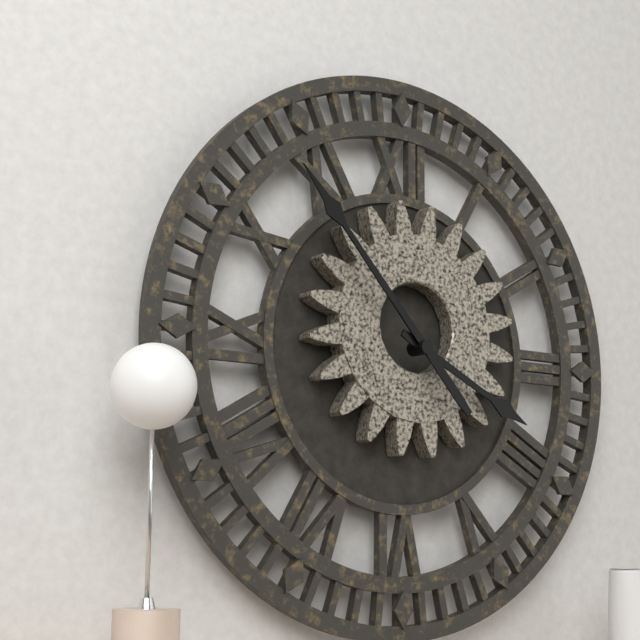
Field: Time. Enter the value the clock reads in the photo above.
3:53
